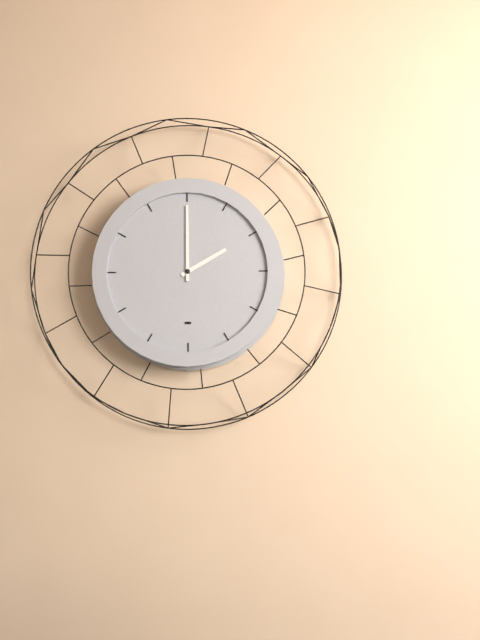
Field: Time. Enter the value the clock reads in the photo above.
2:00
